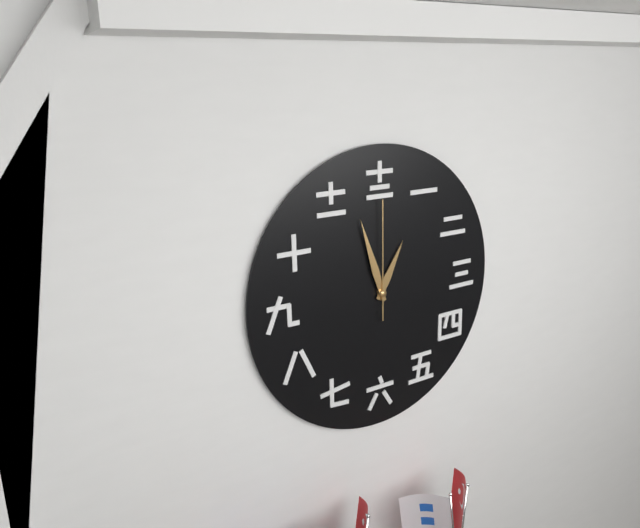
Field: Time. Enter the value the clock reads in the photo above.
12:57:00
